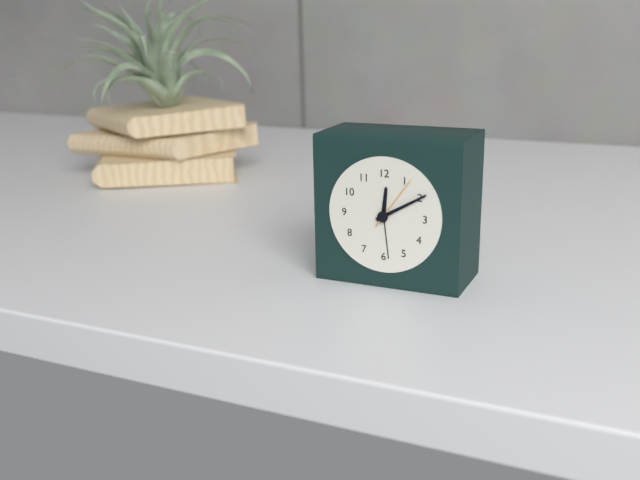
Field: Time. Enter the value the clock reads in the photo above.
12:10:06
